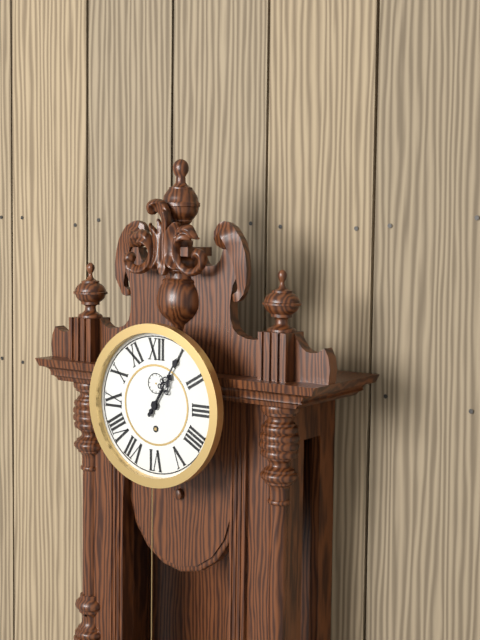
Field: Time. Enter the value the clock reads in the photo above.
1:05
